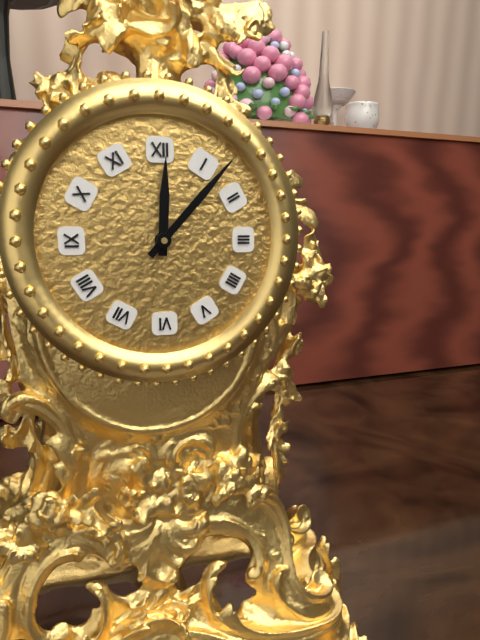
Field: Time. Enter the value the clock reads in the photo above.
12:07
